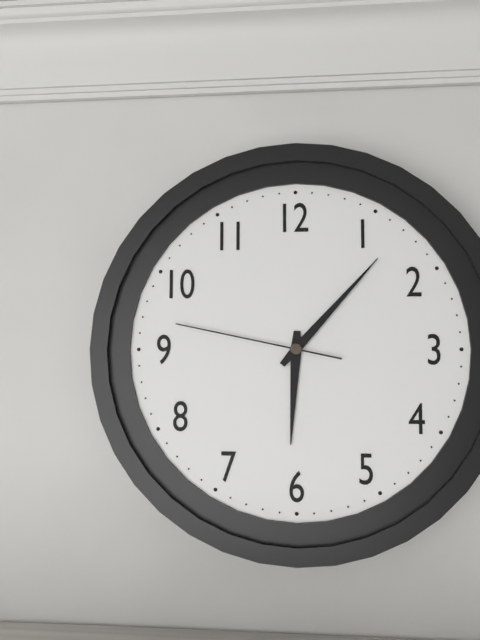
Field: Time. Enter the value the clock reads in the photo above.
6:07:47
